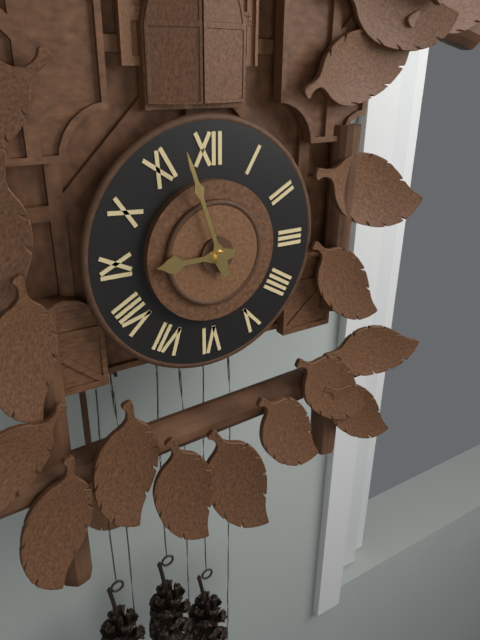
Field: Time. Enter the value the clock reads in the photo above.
8:57
